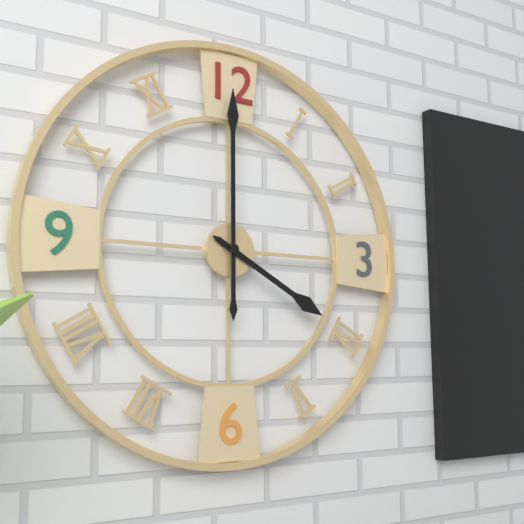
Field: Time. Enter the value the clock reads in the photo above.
4:00
